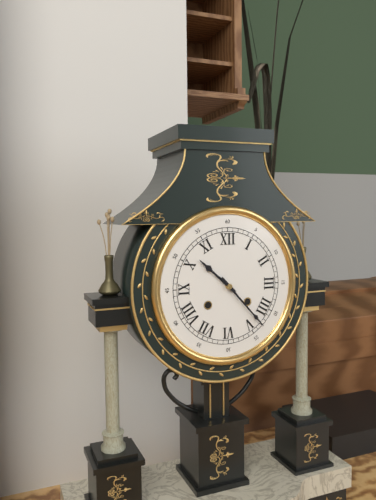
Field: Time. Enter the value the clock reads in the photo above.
10:23
